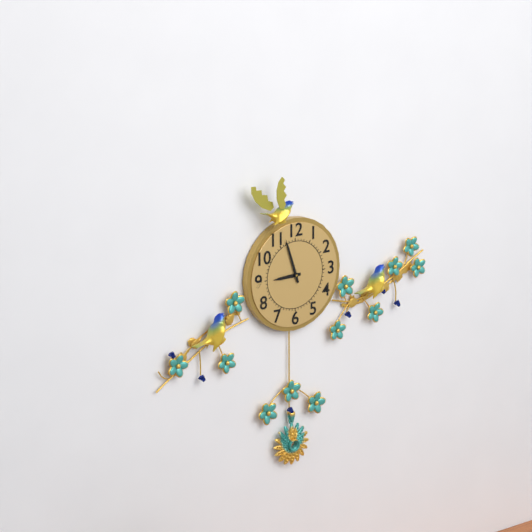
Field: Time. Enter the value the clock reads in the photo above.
8:57
